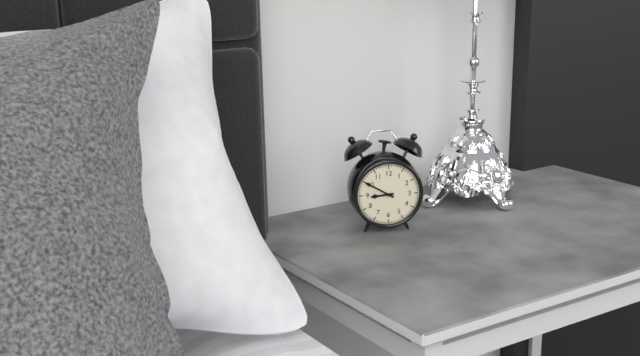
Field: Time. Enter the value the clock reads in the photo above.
8:50
